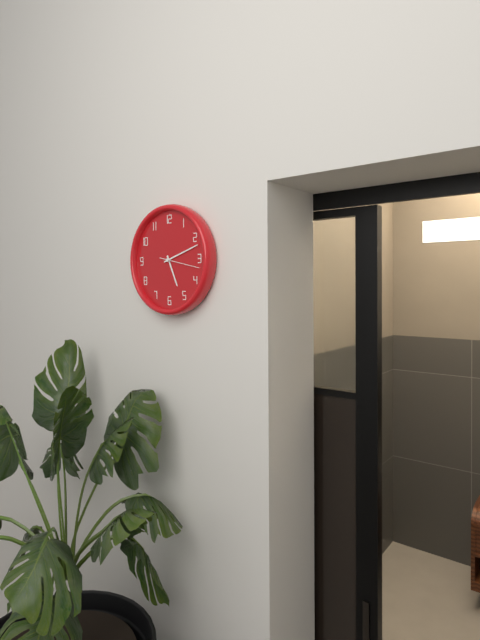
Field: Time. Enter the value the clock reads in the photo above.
5:12
